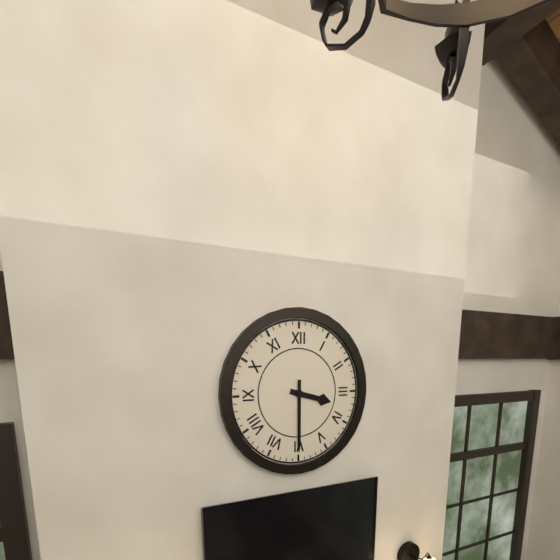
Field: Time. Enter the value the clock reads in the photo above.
3:30
